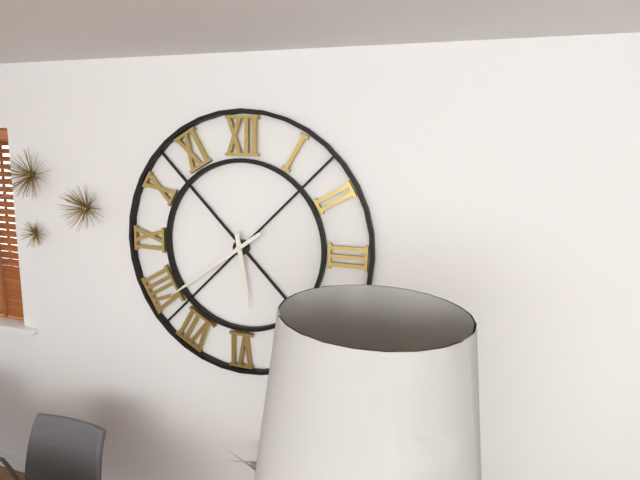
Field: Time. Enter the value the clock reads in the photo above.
5:39
